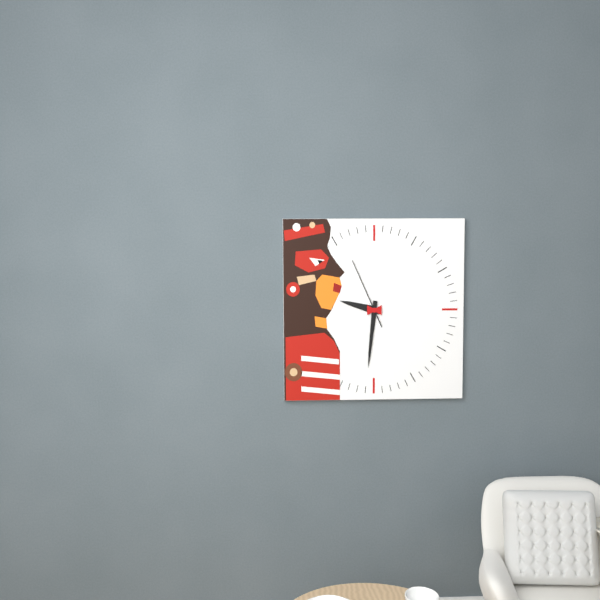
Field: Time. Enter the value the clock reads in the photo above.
9:31:56
